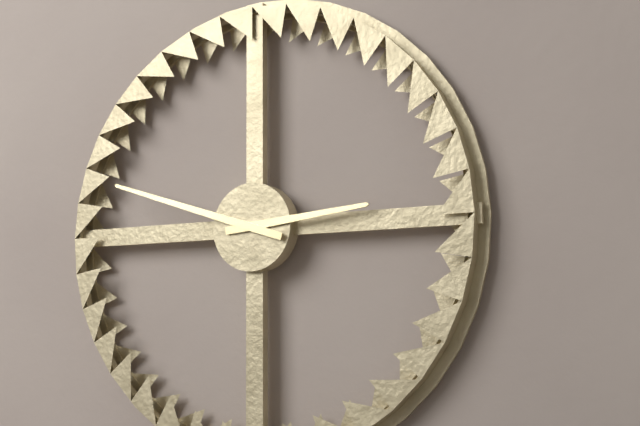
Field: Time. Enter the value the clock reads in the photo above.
2:48
